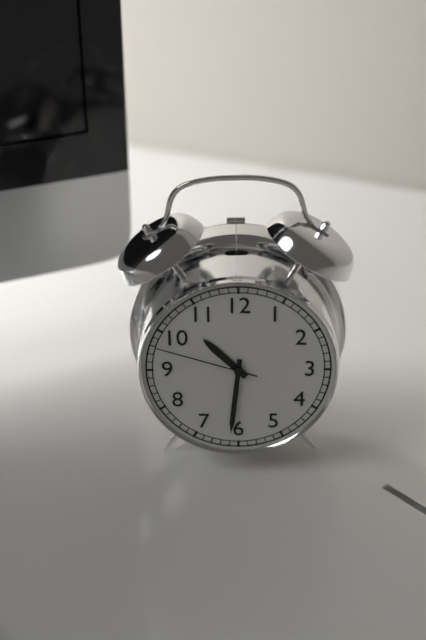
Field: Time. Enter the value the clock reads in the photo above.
10:31:48
